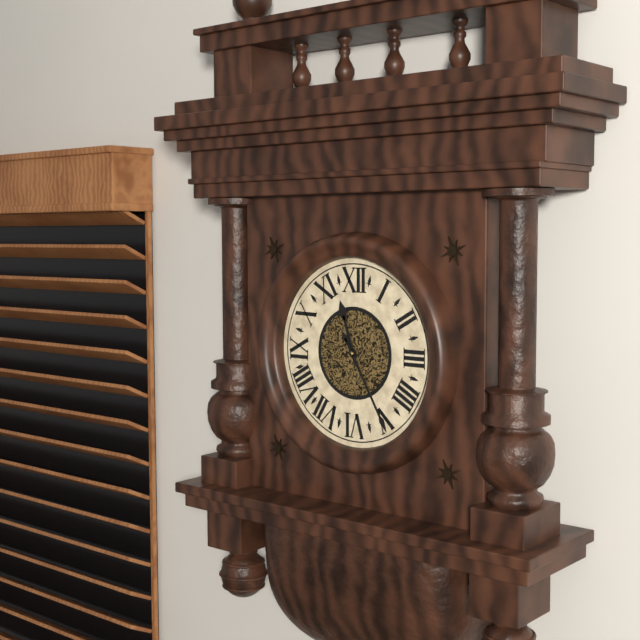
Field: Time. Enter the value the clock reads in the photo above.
11:25
